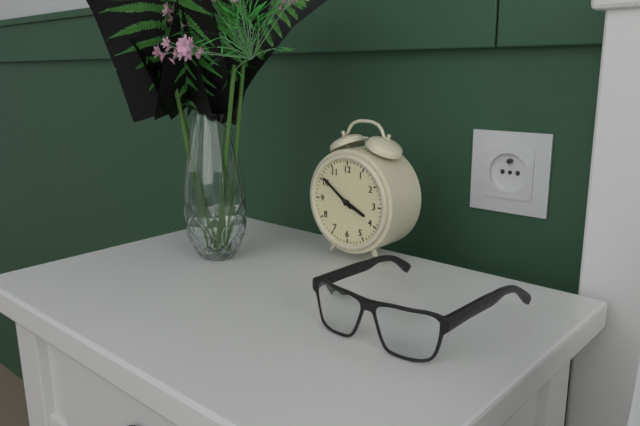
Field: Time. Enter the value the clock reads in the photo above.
3:51
